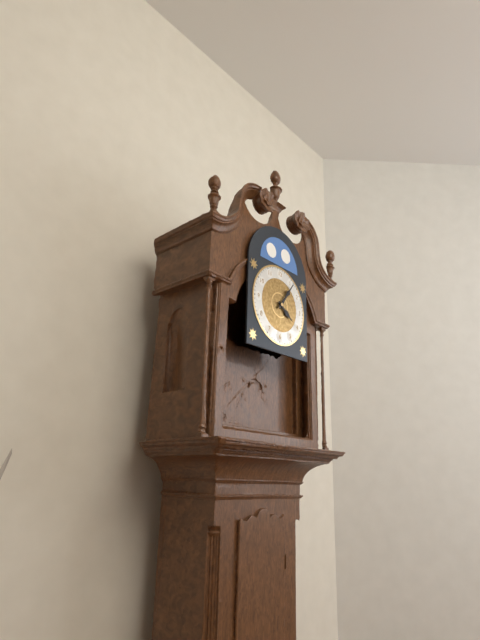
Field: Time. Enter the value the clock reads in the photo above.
4:06
